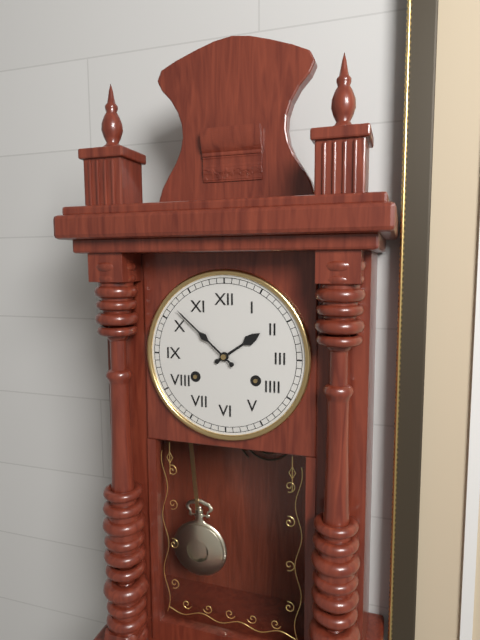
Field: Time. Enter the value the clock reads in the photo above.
1:52
